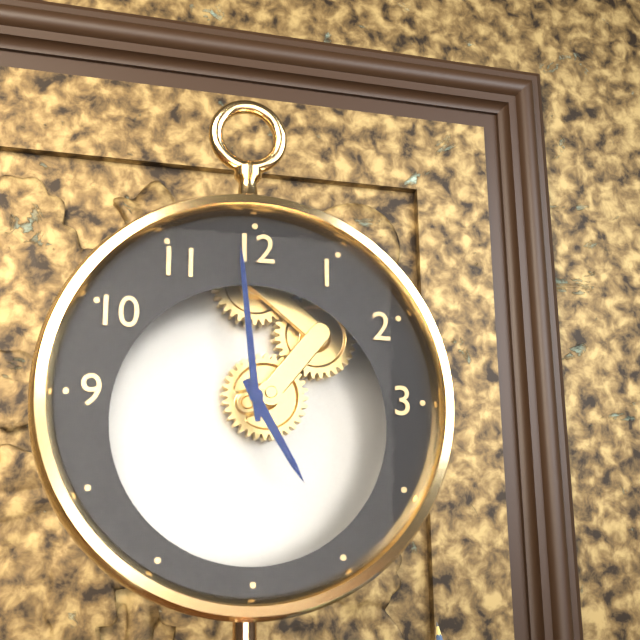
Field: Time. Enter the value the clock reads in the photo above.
4:59
